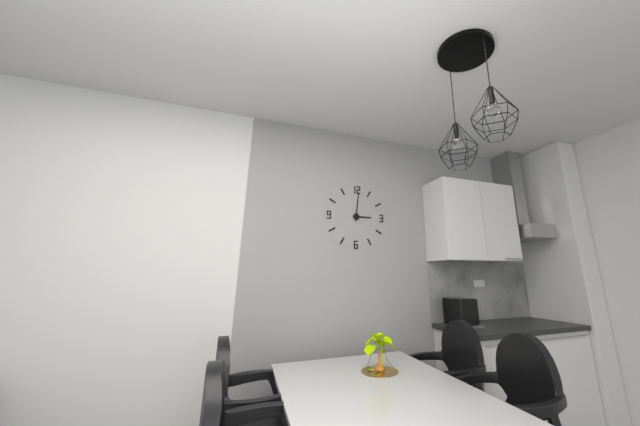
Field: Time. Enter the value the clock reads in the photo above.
3:01
